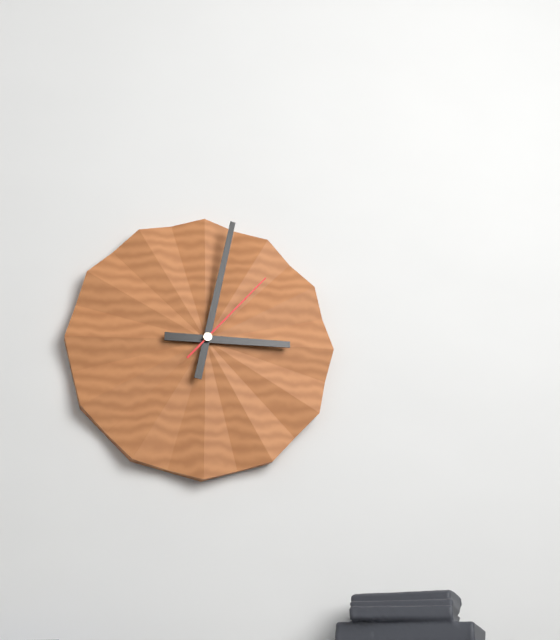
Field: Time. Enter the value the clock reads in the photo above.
3:02:07
